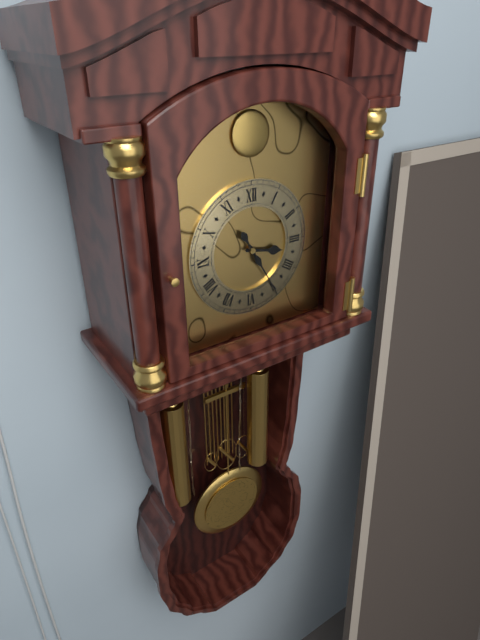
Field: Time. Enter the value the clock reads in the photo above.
3:25
